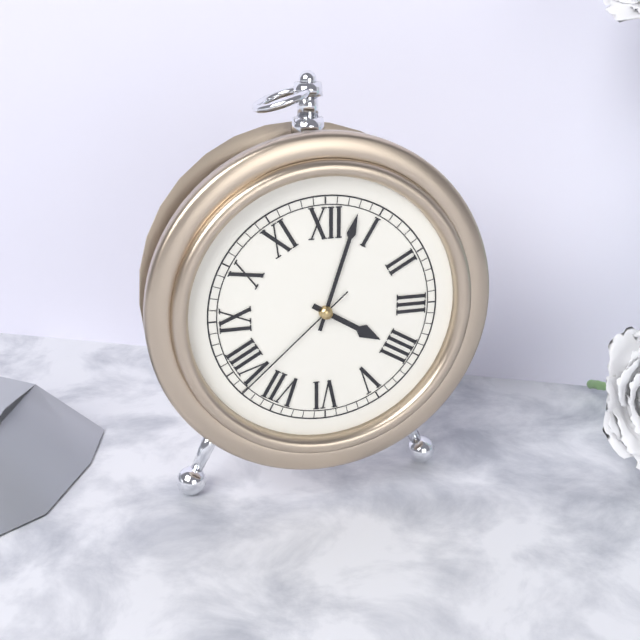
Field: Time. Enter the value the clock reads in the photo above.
4:03:38
